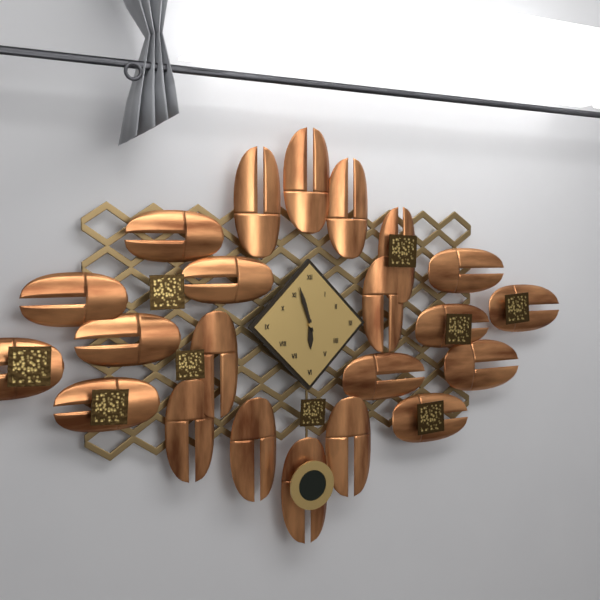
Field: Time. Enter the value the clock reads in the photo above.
5:57
